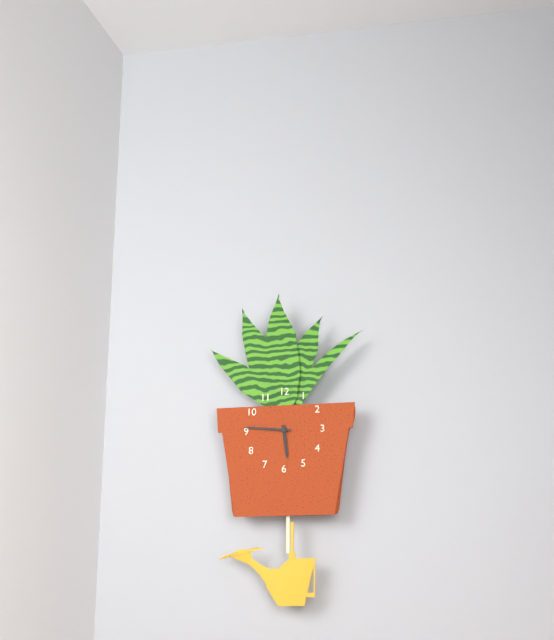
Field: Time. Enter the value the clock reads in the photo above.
5:46
